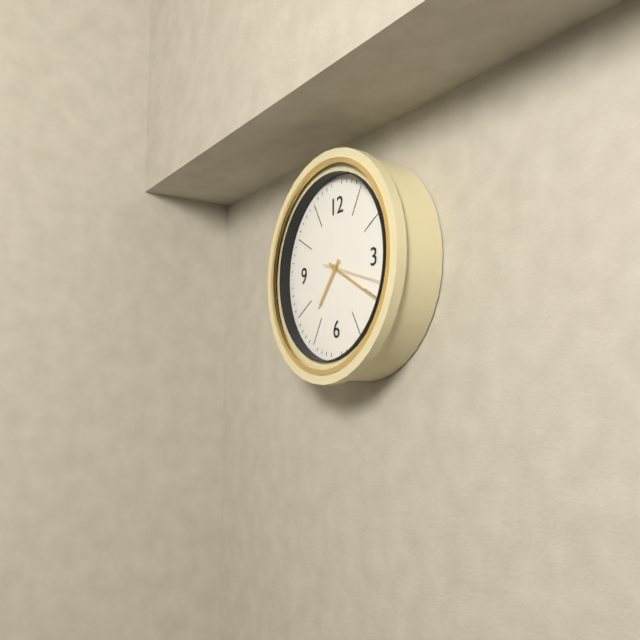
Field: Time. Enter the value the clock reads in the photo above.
7:20:18
